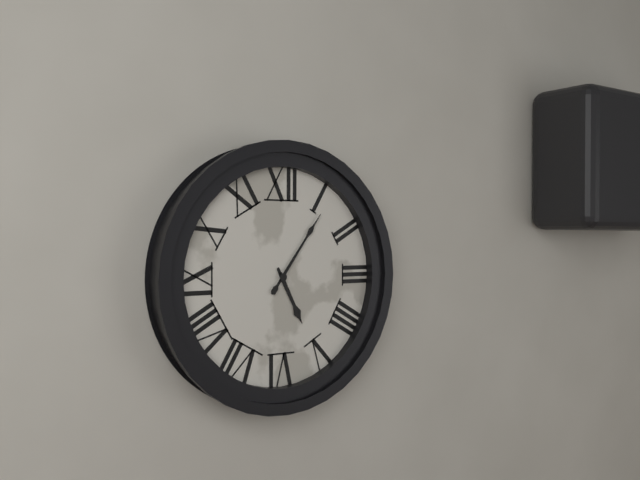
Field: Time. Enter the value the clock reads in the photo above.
5:06
